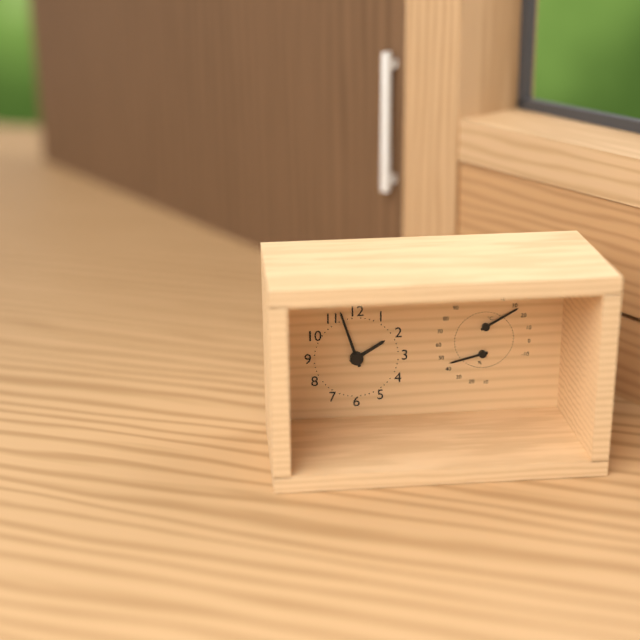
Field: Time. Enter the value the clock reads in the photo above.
1:57
